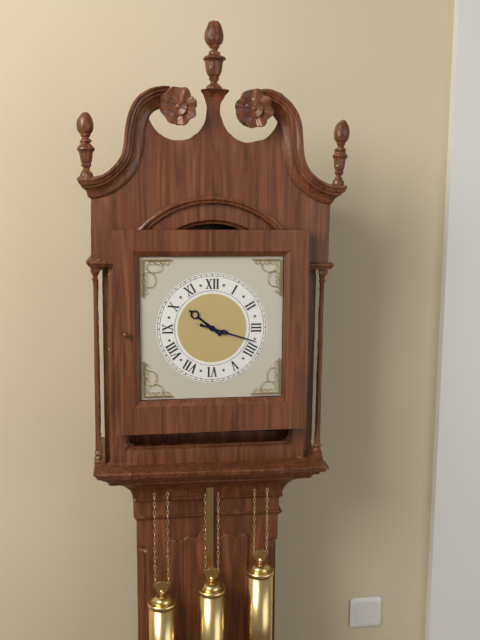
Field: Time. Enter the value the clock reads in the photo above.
10:18
